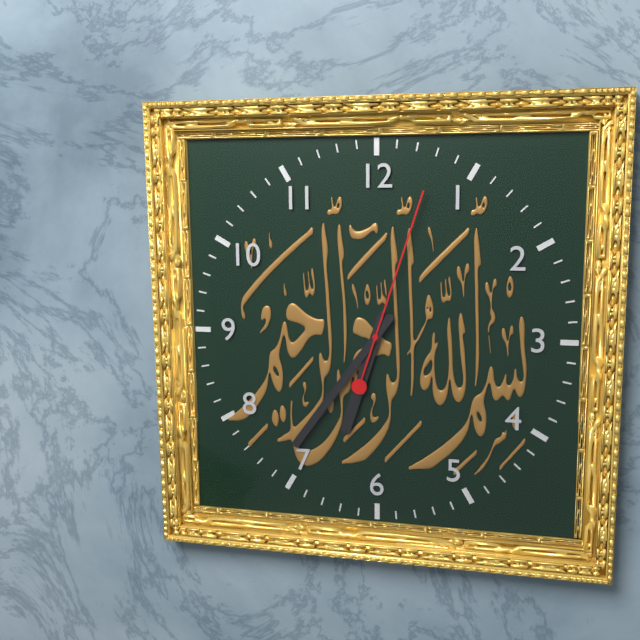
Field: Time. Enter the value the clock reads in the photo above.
6:36:03
